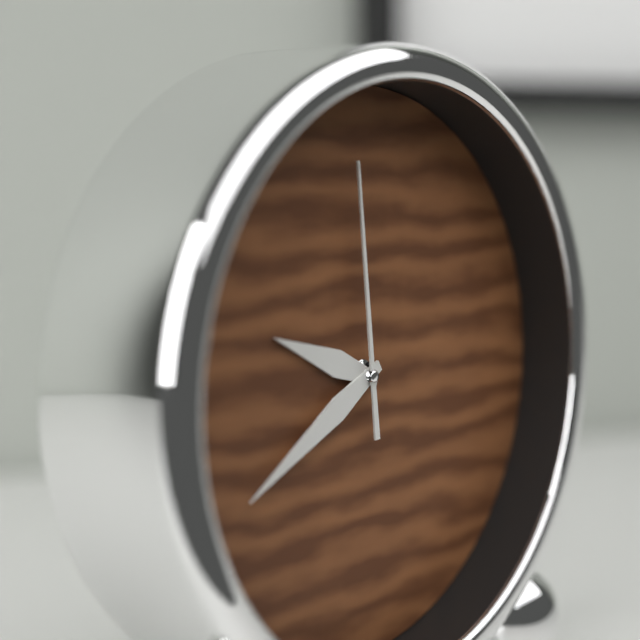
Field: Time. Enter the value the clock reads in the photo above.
9:40:59
